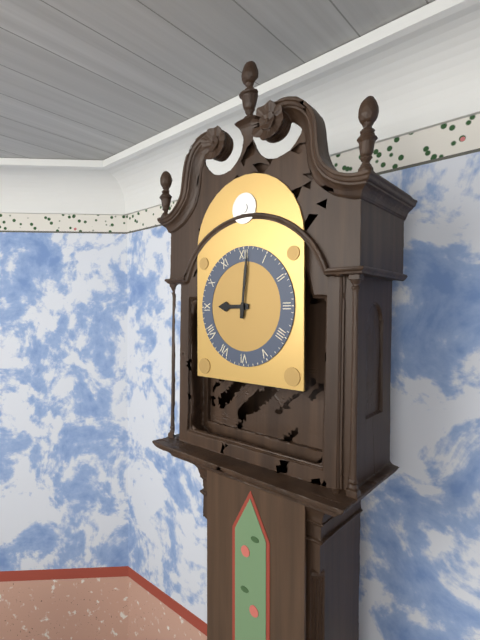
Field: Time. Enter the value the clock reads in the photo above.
9:01
